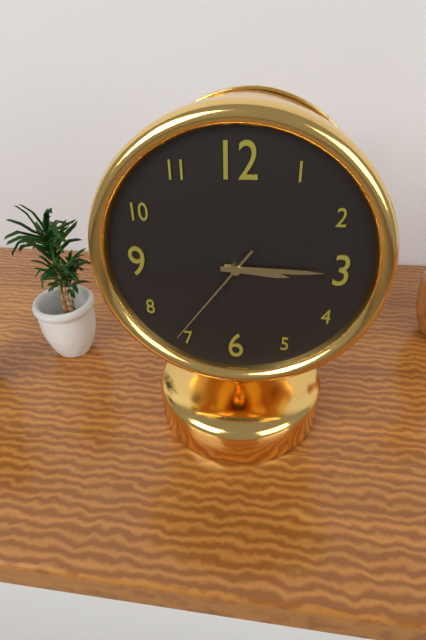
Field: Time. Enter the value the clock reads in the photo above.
3:15:36
